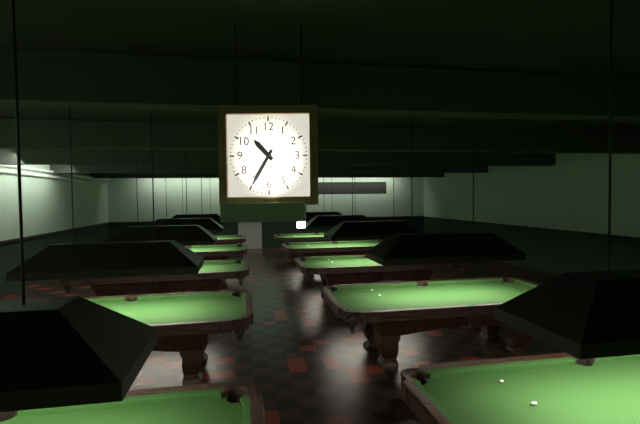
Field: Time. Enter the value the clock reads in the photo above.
10:35
